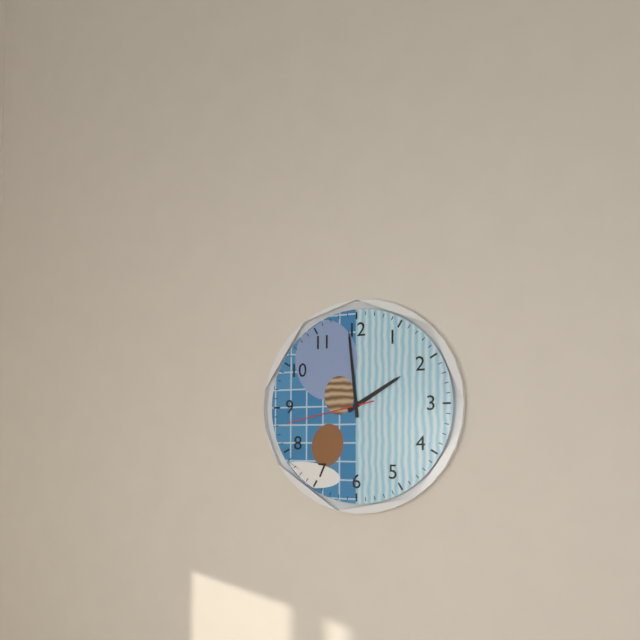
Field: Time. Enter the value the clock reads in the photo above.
1:59:43
